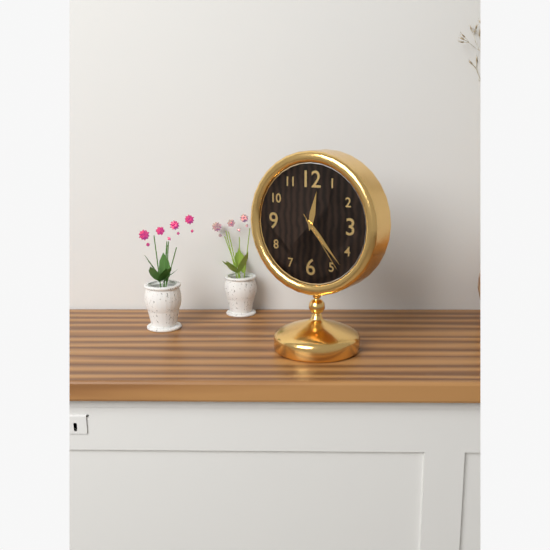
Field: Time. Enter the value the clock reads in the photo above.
12:23:24
